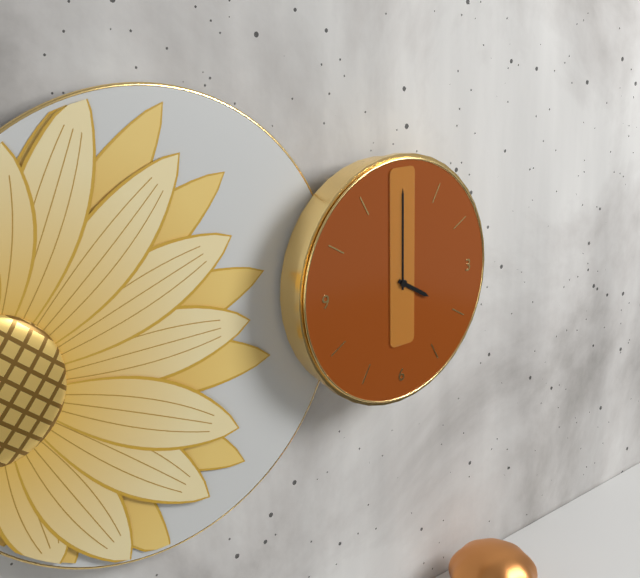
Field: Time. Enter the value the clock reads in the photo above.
4:00
